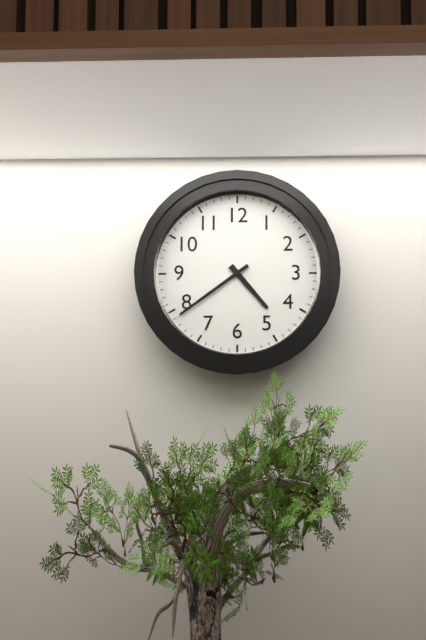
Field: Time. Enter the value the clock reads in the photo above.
4:39
